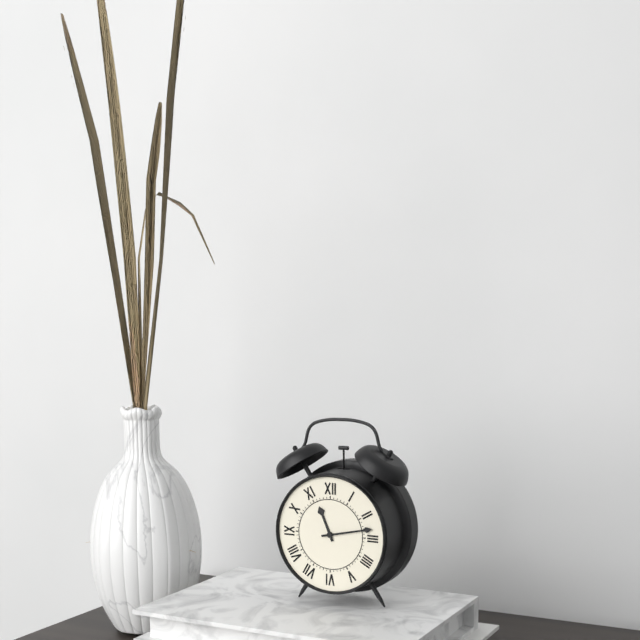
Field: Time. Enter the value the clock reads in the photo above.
11:13
